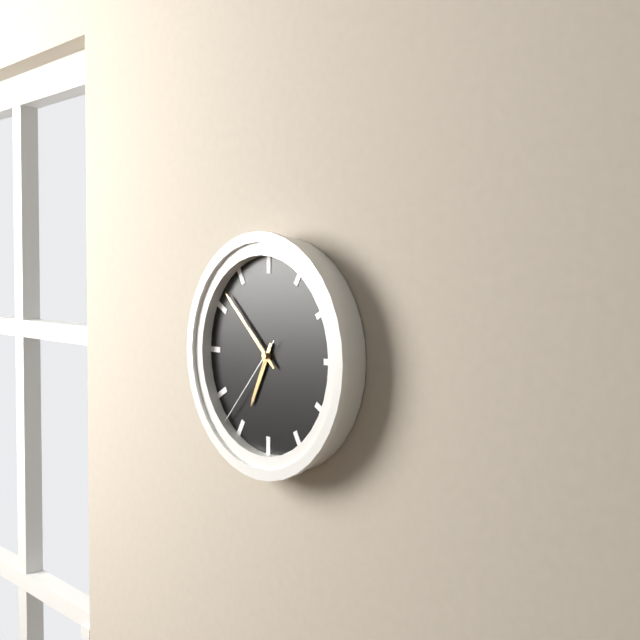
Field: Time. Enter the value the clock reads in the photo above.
6:52:37
